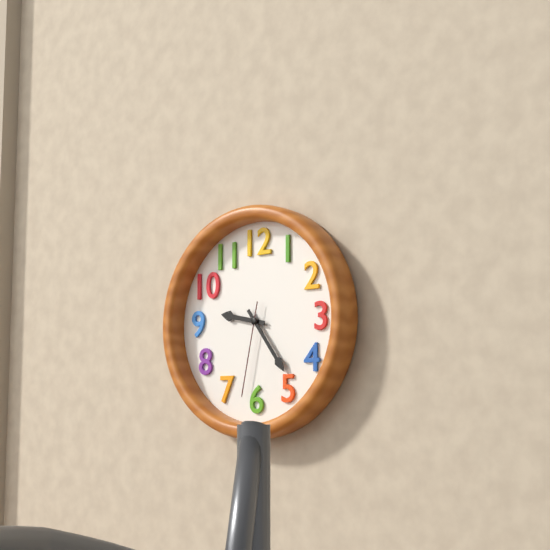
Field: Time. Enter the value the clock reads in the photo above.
9:24:32
